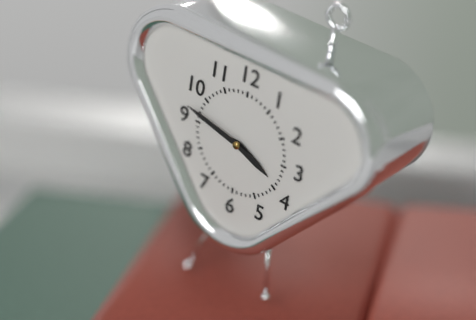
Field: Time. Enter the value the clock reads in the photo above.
3:47
